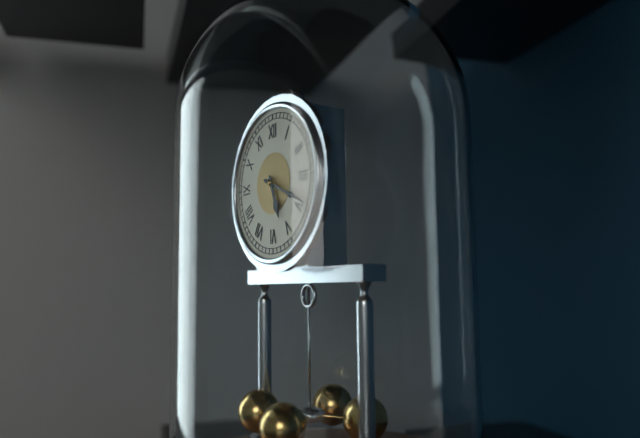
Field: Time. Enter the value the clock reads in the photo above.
5:19
